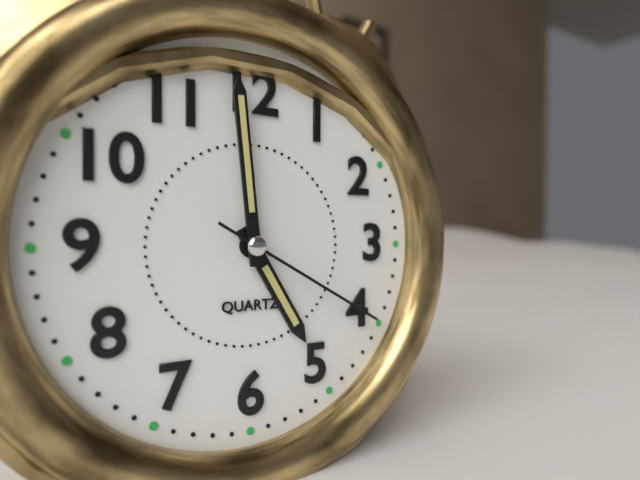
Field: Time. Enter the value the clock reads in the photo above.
4:59:20
